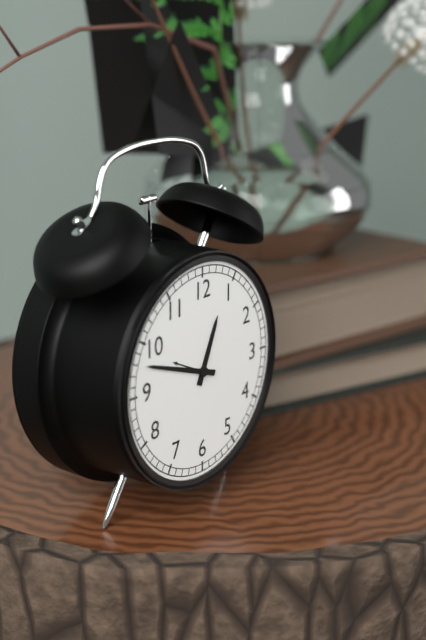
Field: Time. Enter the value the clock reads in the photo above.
12:48
